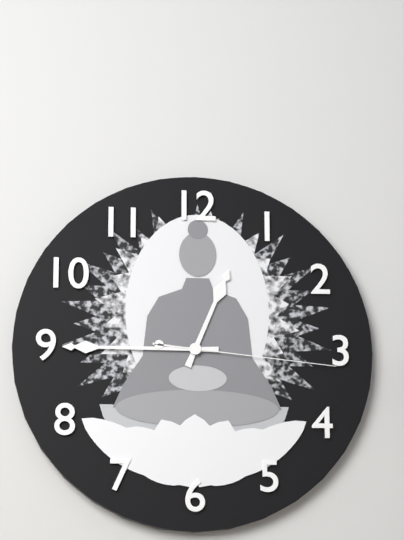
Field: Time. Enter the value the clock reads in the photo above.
12:45:16
